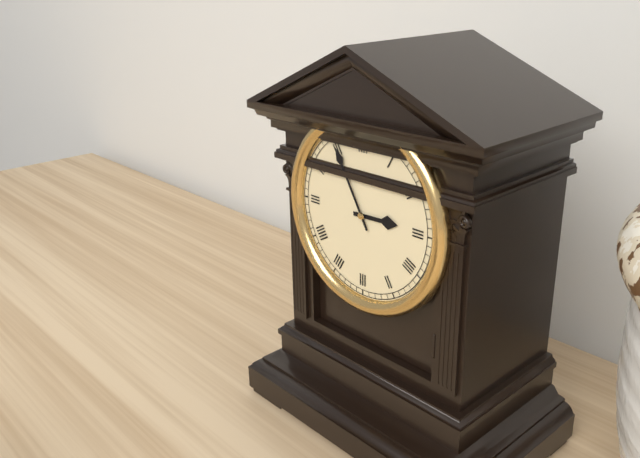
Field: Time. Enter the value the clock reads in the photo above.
2:55
